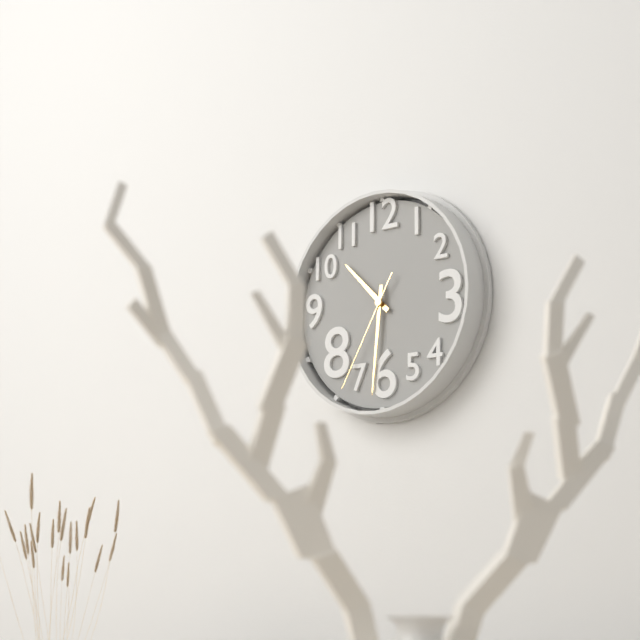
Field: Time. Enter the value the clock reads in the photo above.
10:31:35
